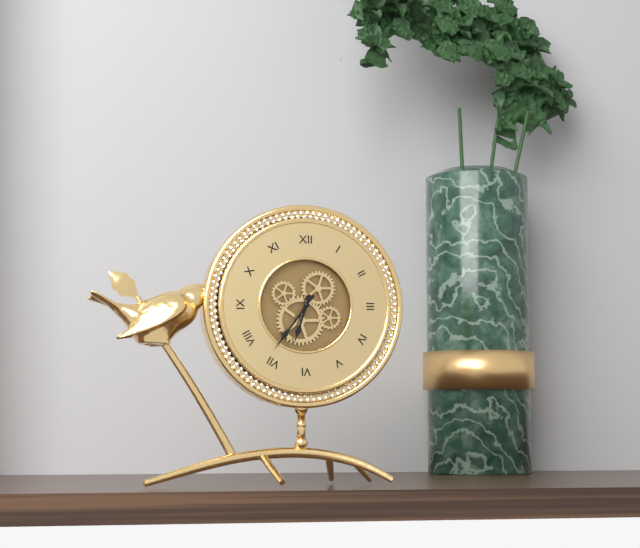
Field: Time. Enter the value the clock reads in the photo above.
6:36
